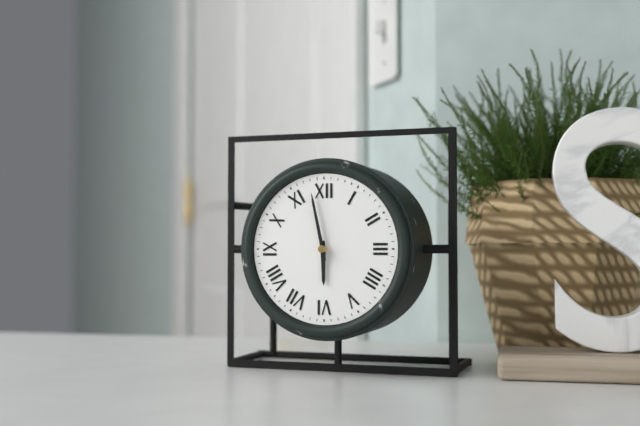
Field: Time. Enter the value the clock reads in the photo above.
5:58
